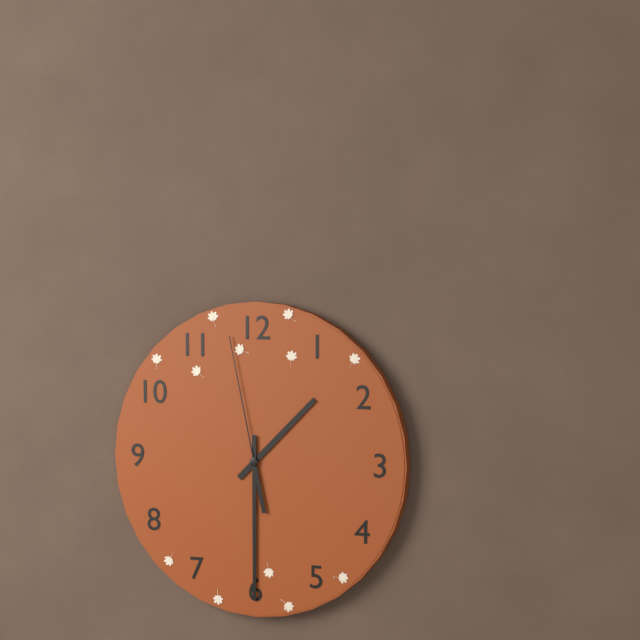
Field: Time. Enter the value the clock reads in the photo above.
1:30:58
